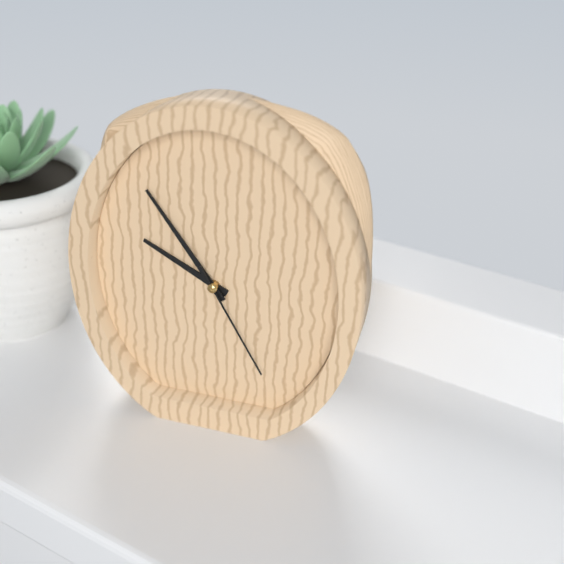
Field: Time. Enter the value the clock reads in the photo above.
9:54:25
